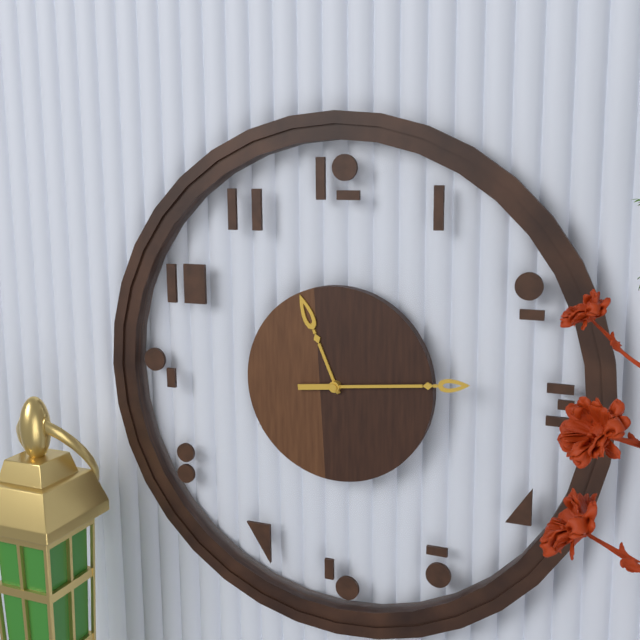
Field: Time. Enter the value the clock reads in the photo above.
11:14
